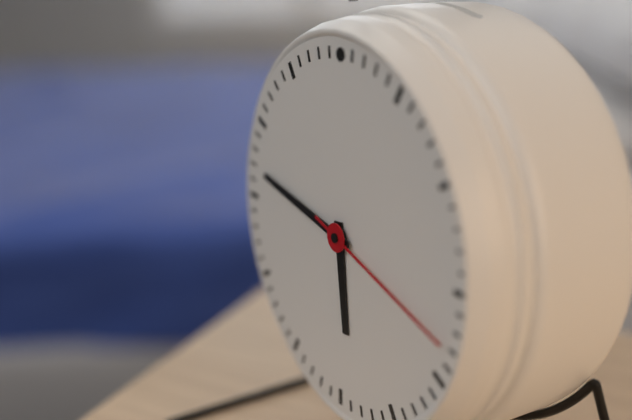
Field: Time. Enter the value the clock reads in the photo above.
5:47:18
